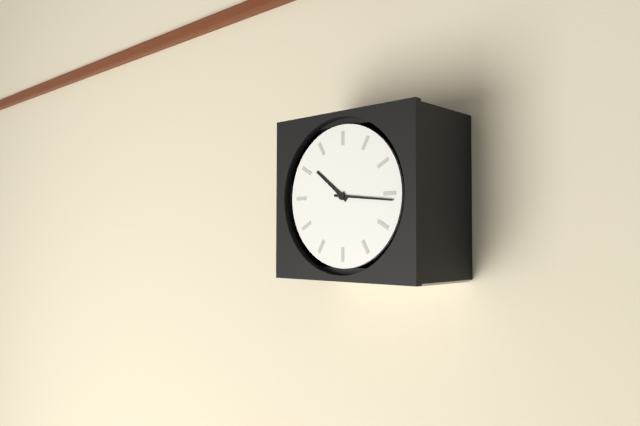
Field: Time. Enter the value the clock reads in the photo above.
10:16
